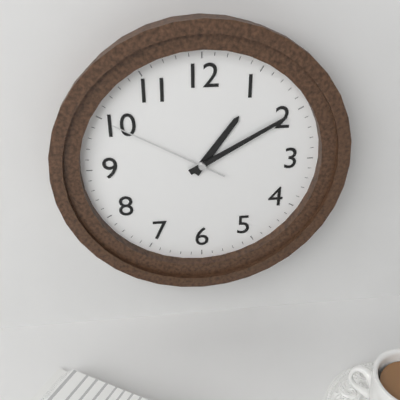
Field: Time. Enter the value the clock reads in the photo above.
1:10:50
